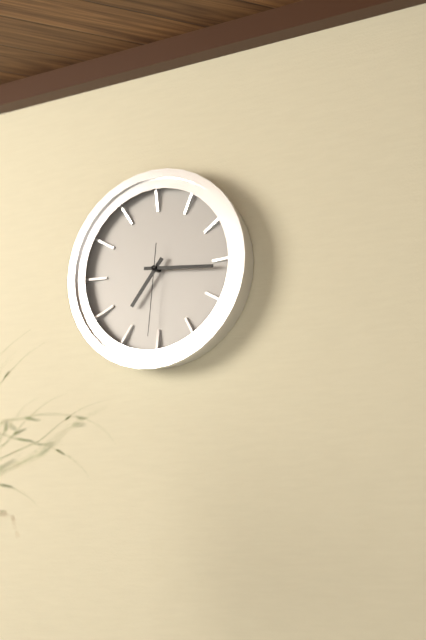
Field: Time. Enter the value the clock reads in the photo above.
7:16:31
